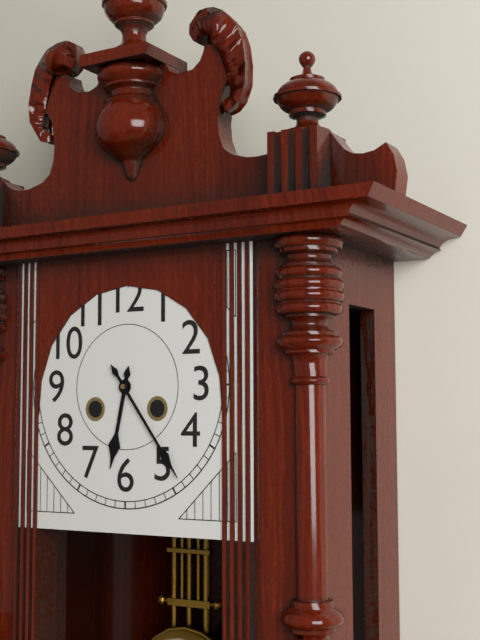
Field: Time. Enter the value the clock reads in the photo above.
6:24
